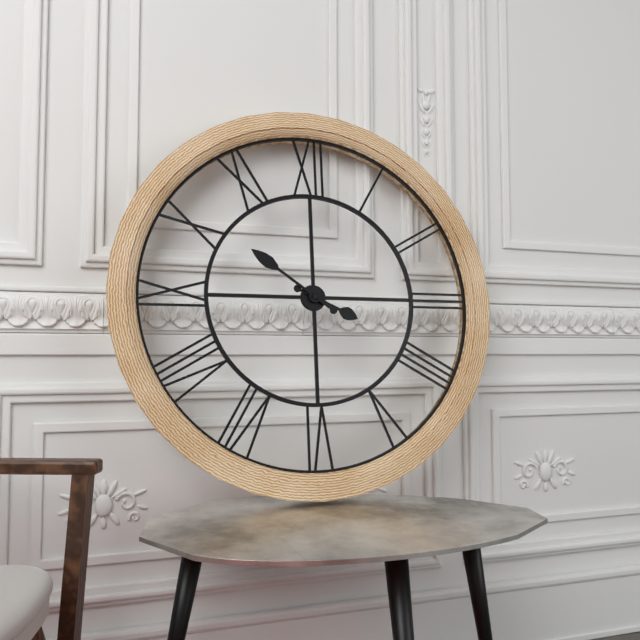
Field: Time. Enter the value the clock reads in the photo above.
3:51
